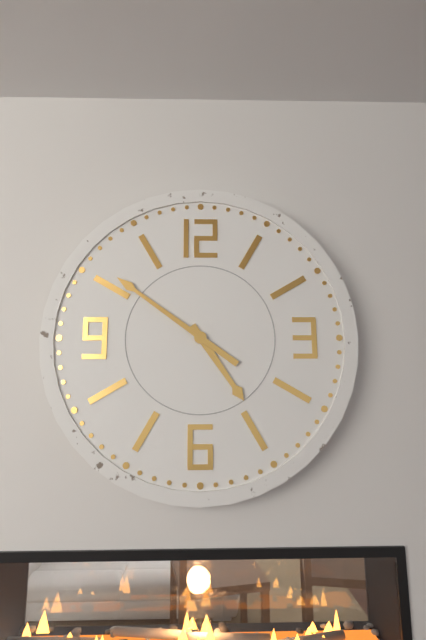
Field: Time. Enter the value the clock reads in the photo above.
4:51
